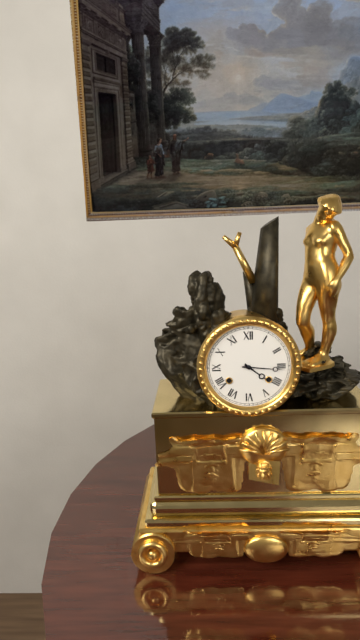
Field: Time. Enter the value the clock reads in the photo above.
4:16
